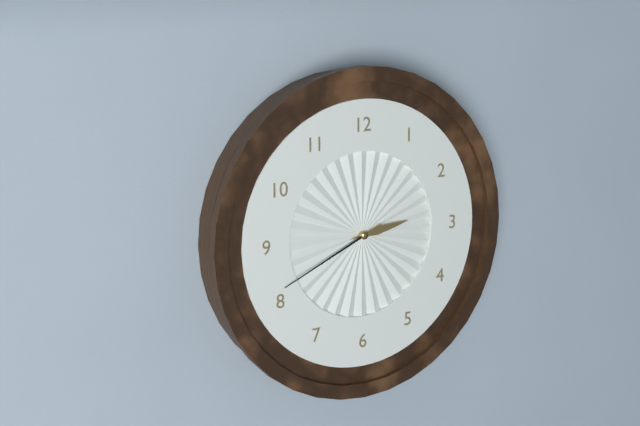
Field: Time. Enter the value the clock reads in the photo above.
2:41
